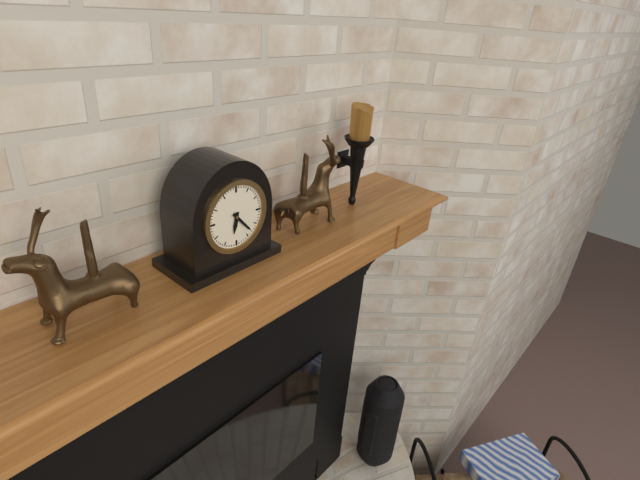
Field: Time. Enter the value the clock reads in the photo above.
6:23
